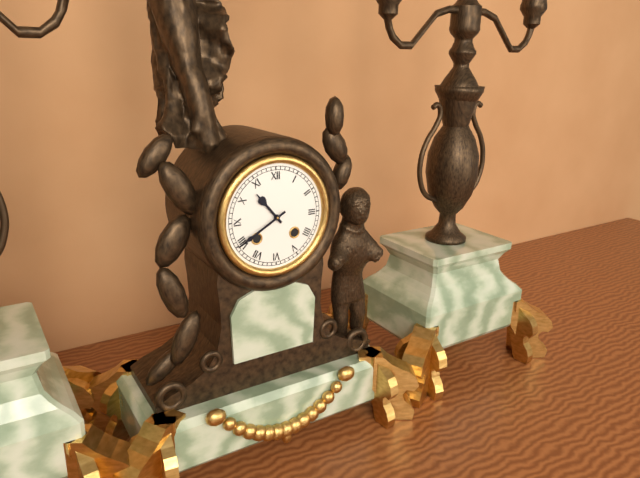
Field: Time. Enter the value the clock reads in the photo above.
10:40
